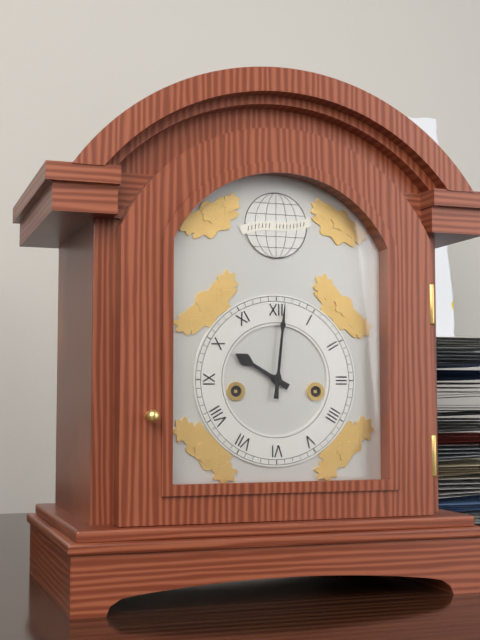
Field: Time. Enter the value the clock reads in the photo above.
10:01
